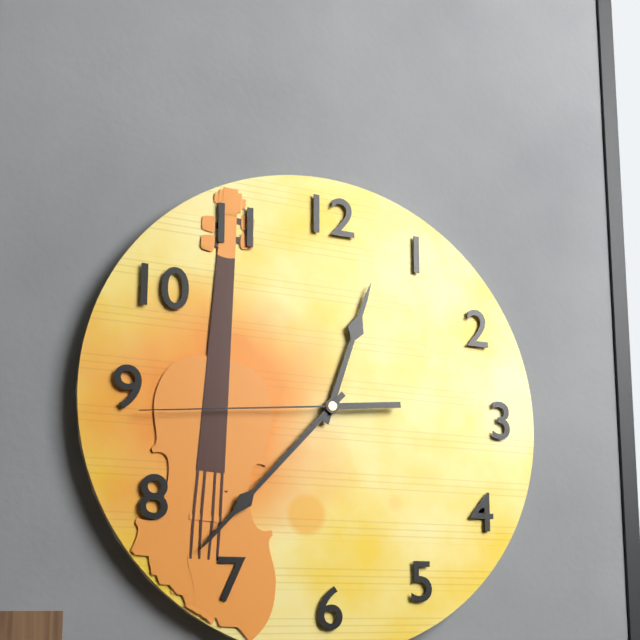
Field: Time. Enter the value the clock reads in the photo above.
12:37:44
